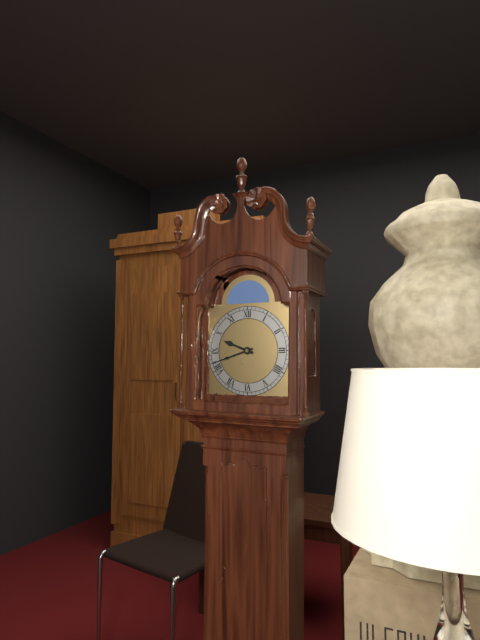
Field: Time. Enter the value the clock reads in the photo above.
9:42
